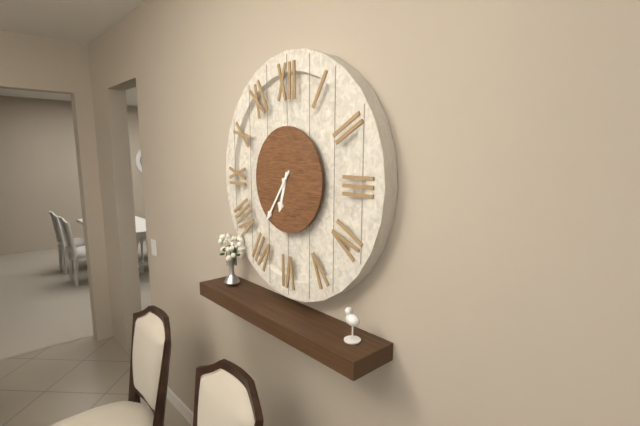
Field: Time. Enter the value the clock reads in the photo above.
6:36
